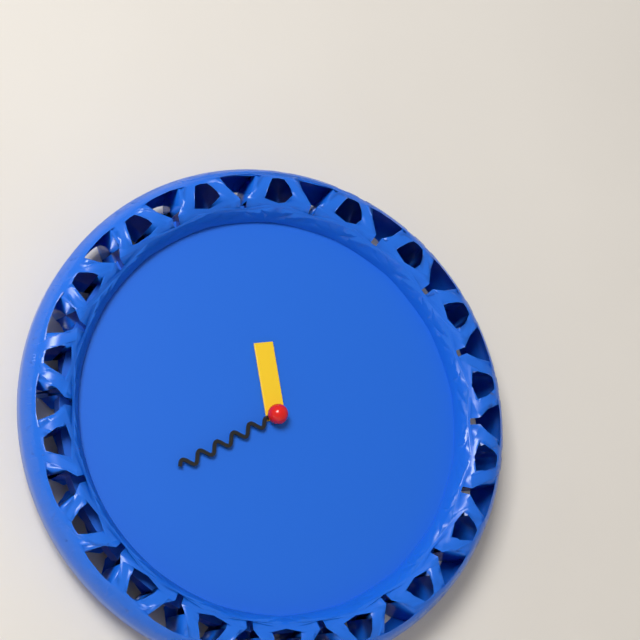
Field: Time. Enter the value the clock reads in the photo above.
11:40
